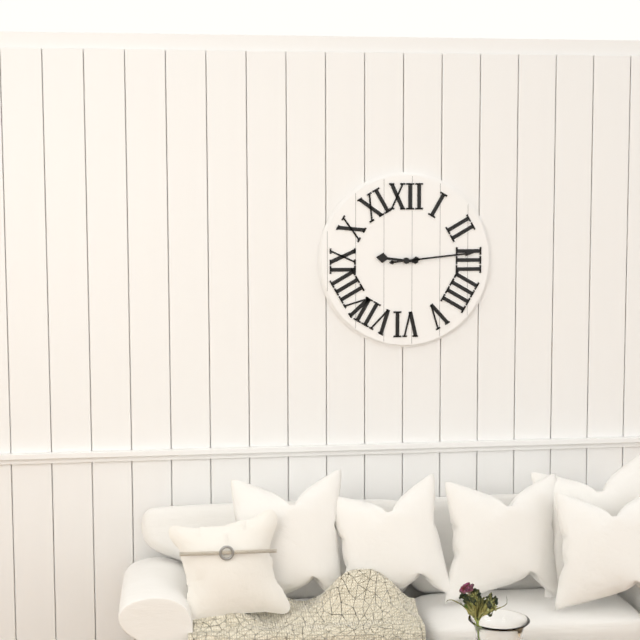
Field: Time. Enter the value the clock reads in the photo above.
9:14
